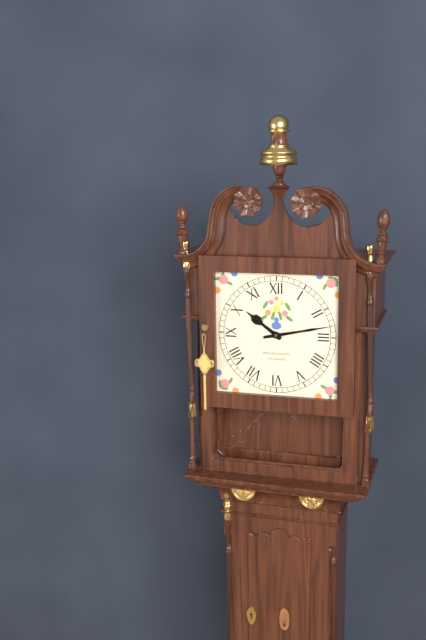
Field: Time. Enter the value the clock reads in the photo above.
10:13
